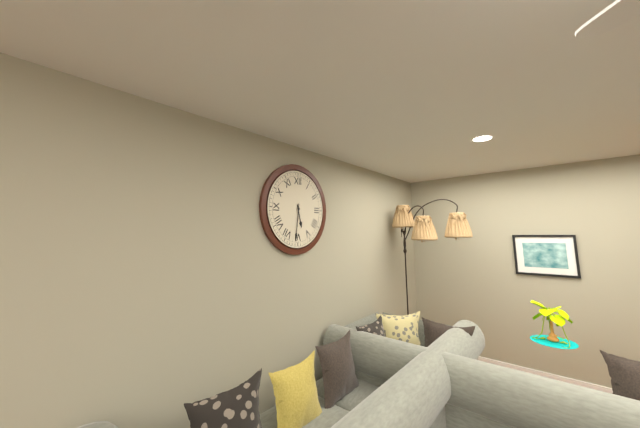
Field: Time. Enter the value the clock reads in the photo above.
5:31
